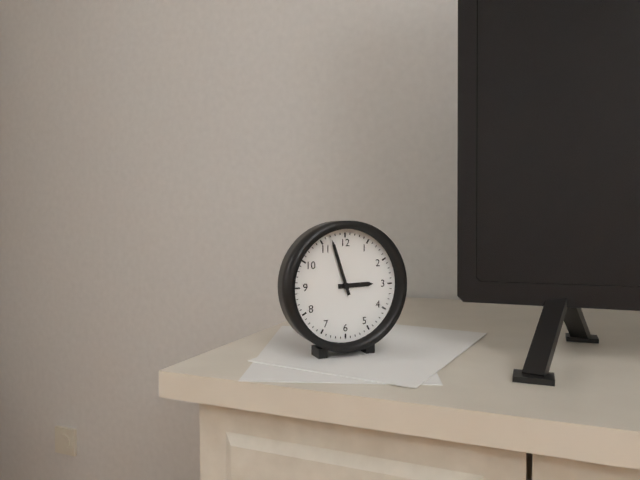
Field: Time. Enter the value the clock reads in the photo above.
2:57
